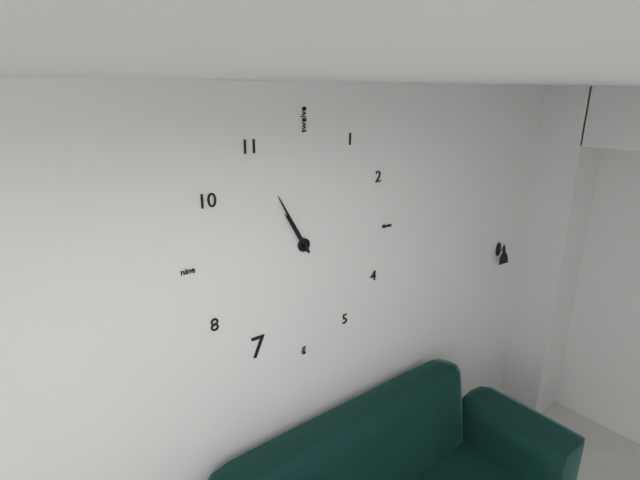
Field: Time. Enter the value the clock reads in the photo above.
10:55
